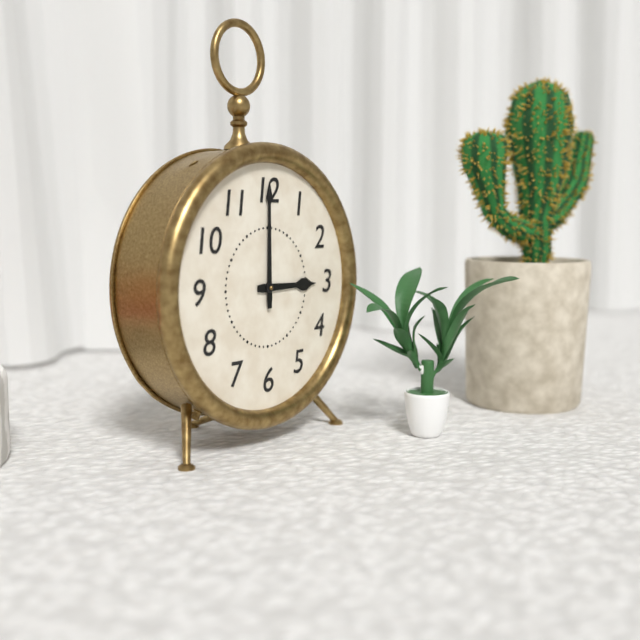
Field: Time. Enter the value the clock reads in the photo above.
3:00
